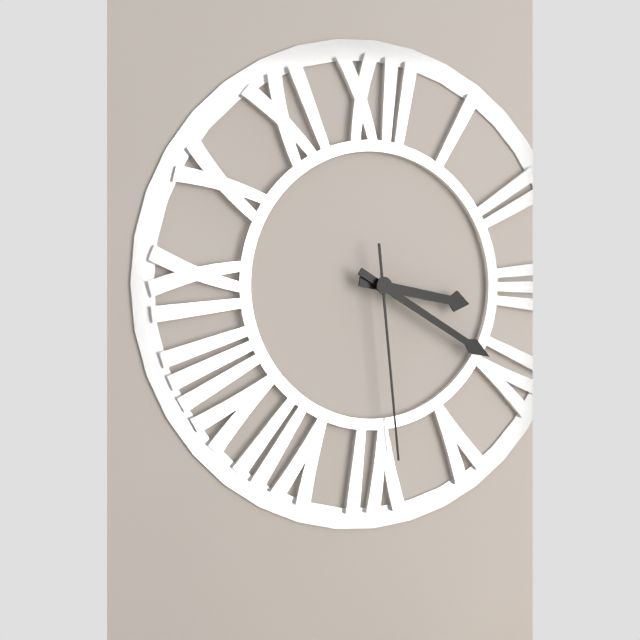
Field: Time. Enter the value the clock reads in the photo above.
3:20:29
